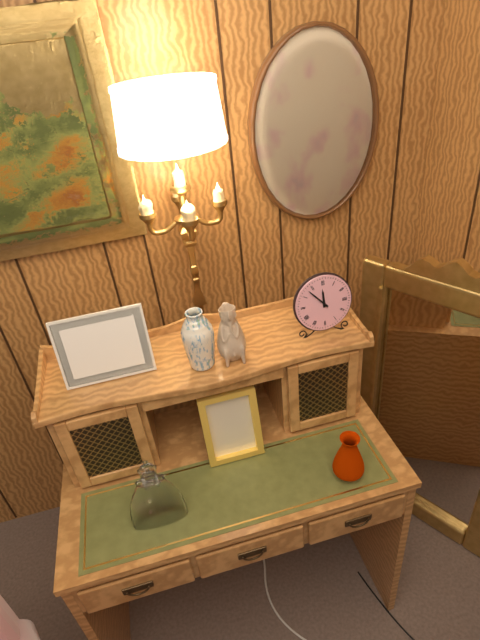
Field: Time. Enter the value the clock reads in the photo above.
11:53
